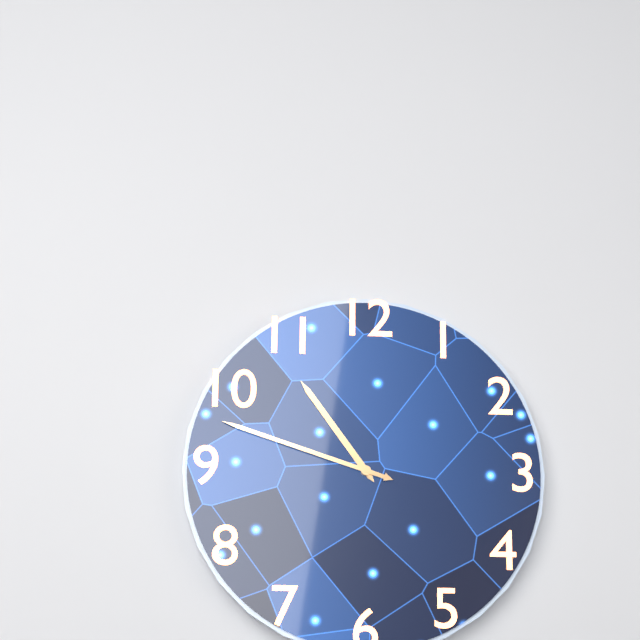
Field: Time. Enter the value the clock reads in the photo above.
10:48
